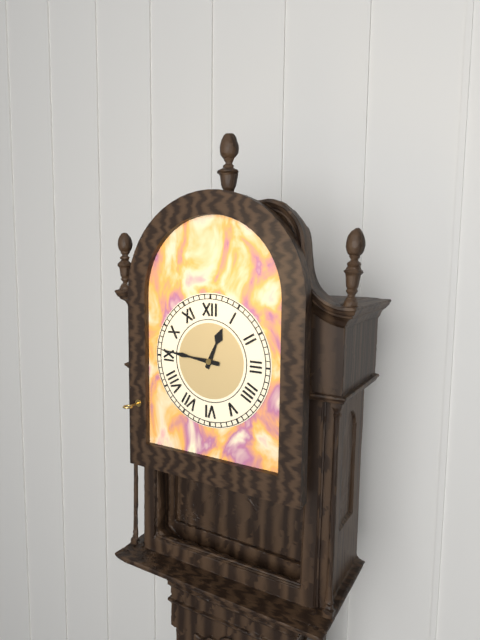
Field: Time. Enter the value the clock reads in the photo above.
12:46
